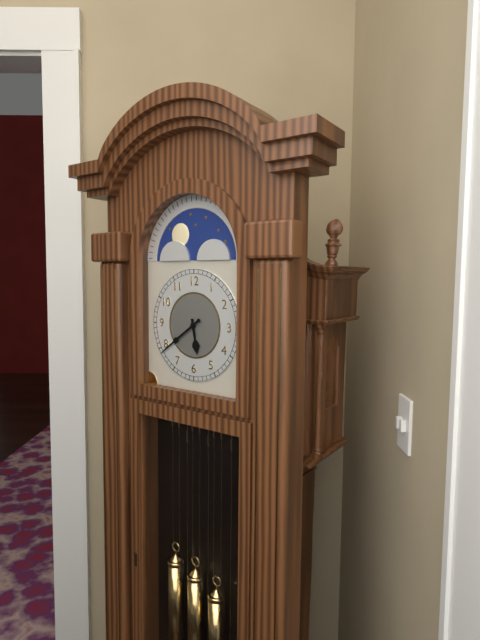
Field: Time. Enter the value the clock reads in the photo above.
5:39
